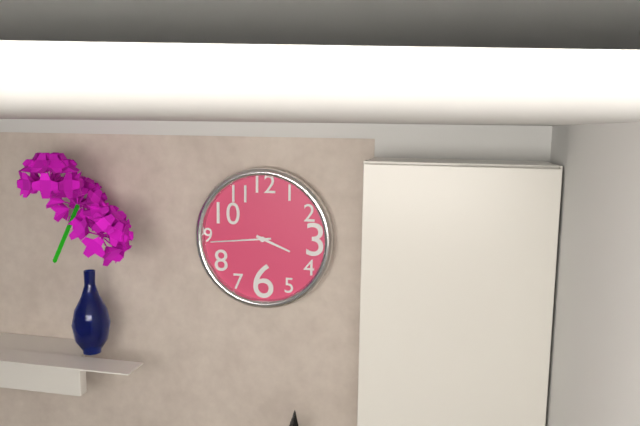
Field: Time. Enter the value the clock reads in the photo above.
3:44
